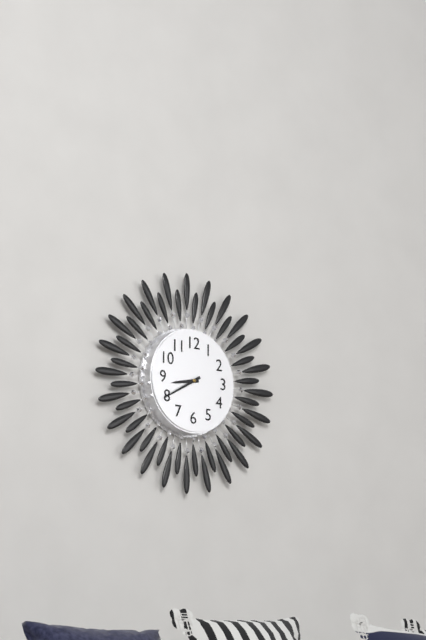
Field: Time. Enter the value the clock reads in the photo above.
8:40
